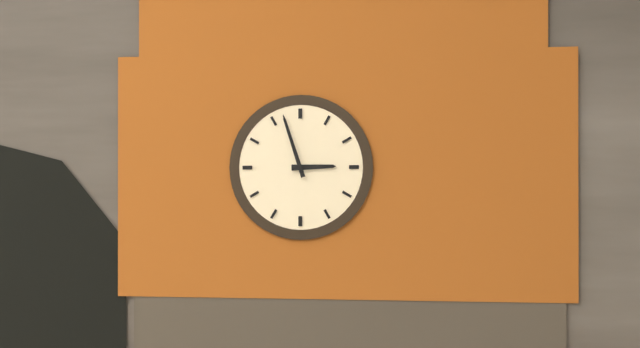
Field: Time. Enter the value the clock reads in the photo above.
2:57
